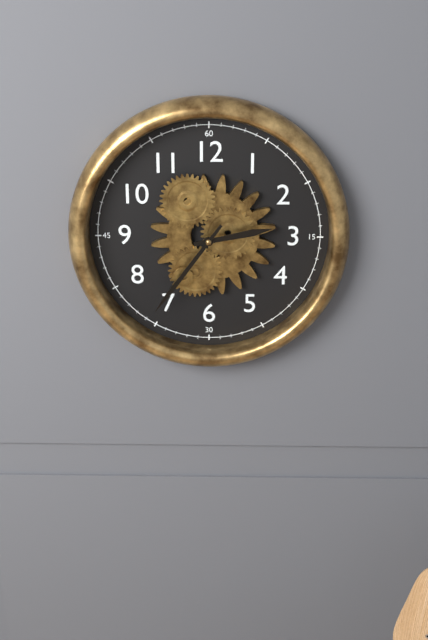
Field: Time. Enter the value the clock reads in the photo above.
2:36
